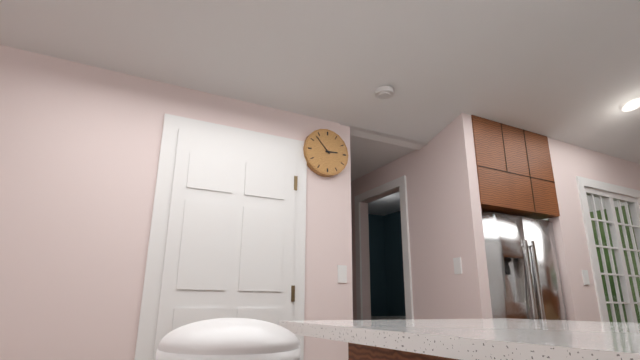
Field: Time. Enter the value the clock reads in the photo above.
2:53
